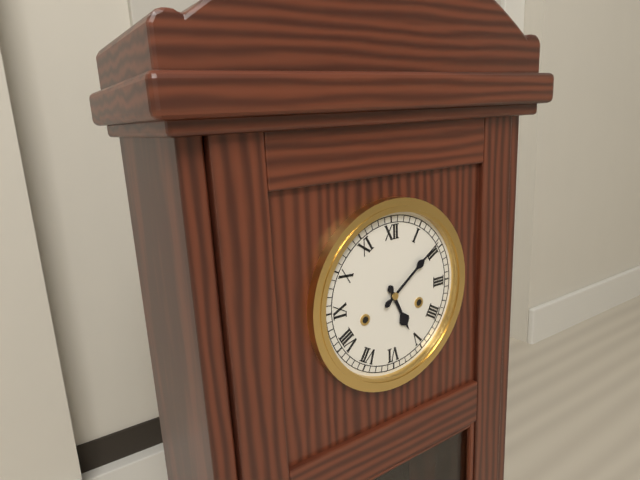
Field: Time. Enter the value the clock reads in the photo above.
5:09
